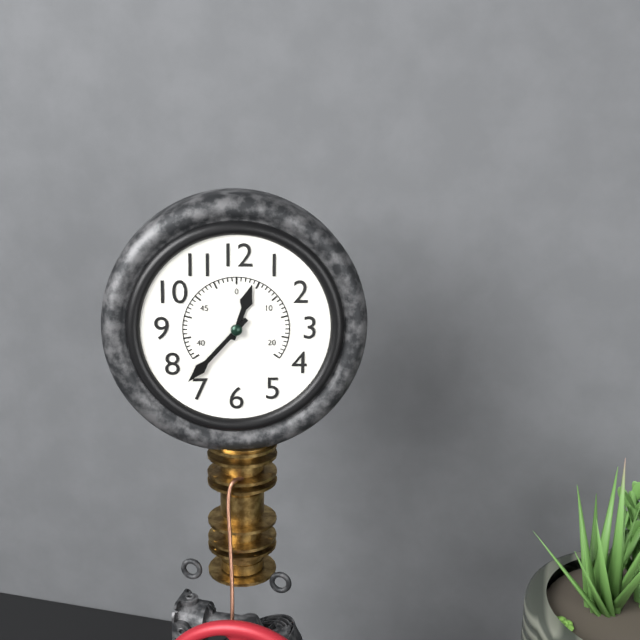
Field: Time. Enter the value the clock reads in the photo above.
12:37
